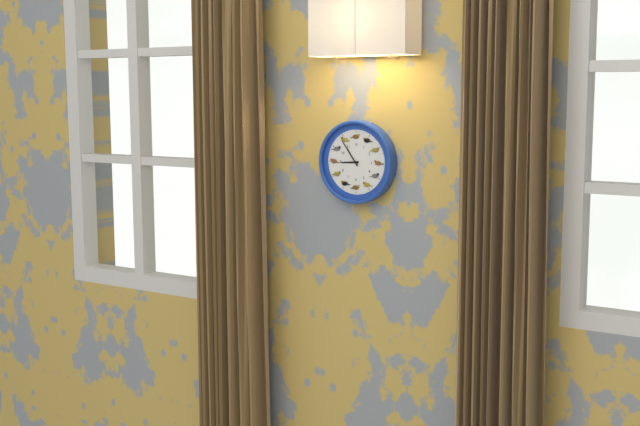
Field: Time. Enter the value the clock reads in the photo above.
8:54
